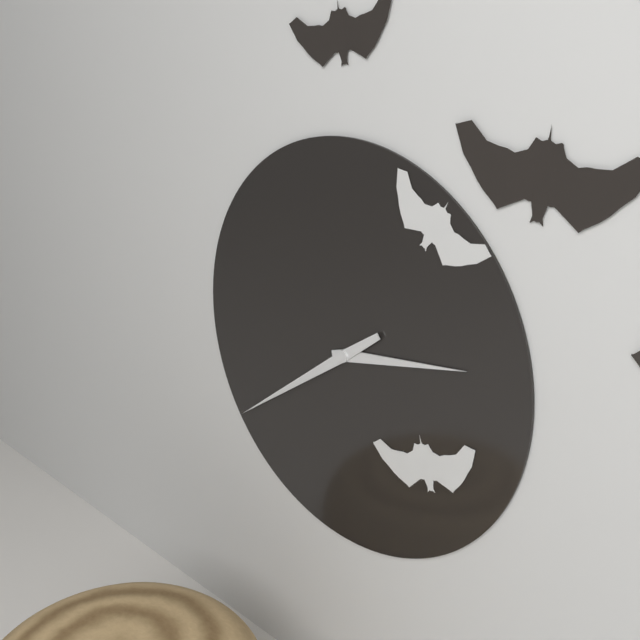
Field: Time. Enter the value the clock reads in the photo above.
2:39
